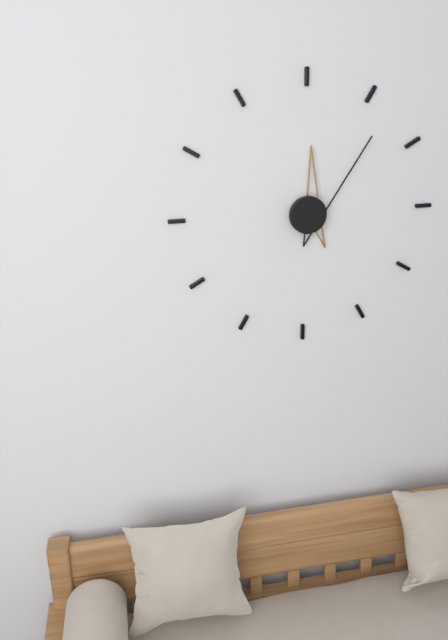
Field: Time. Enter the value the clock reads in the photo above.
12:07
